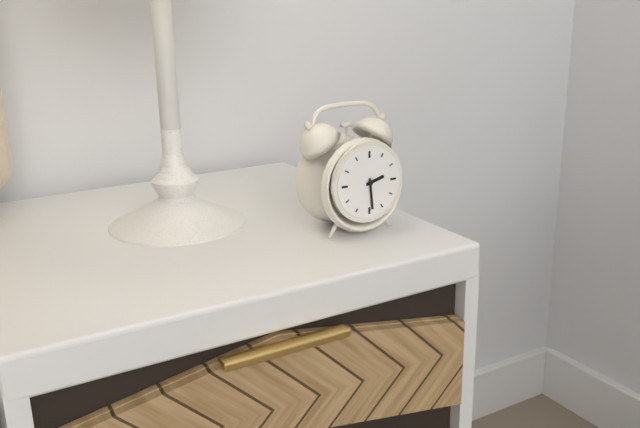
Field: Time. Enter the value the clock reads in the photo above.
2:29
